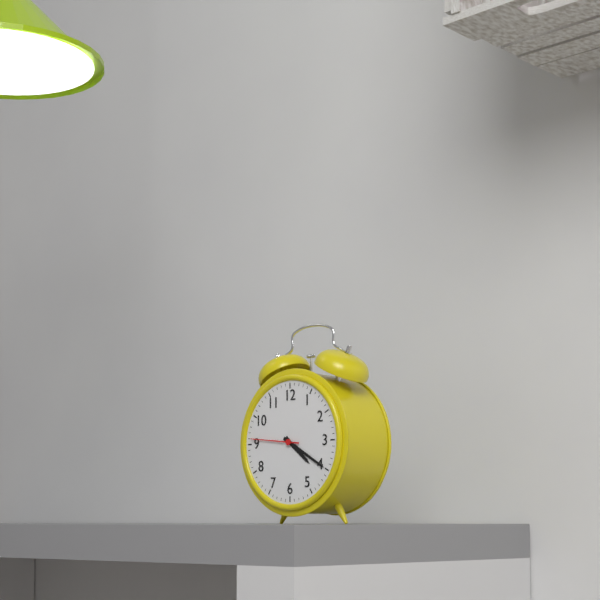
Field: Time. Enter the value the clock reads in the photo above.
4:20
